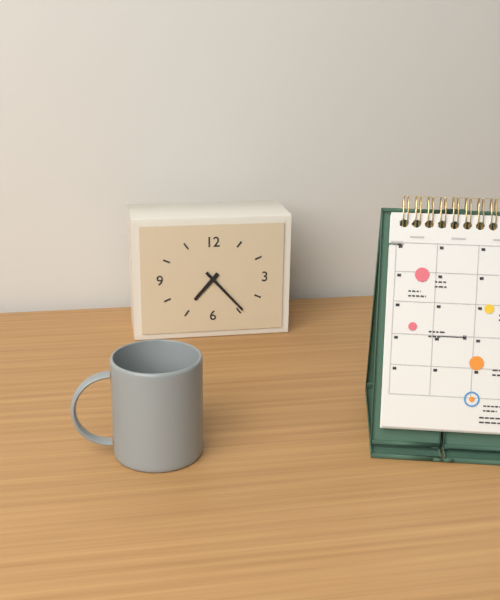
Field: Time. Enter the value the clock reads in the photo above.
7:23
